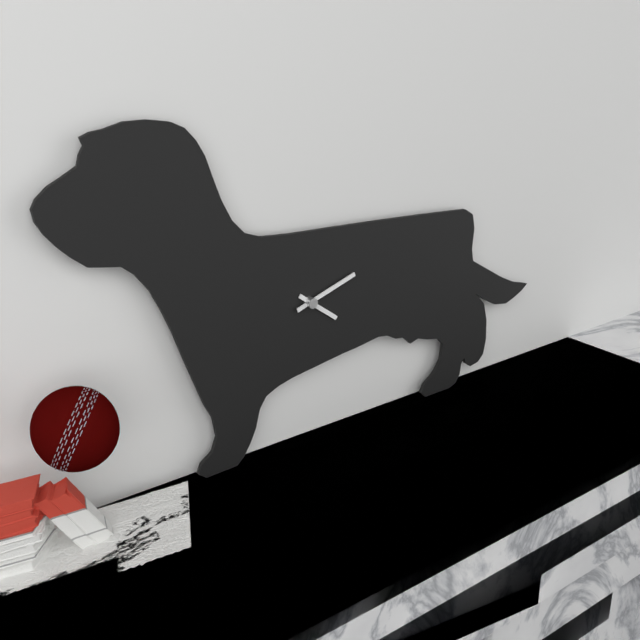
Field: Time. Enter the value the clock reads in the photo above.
4:12
